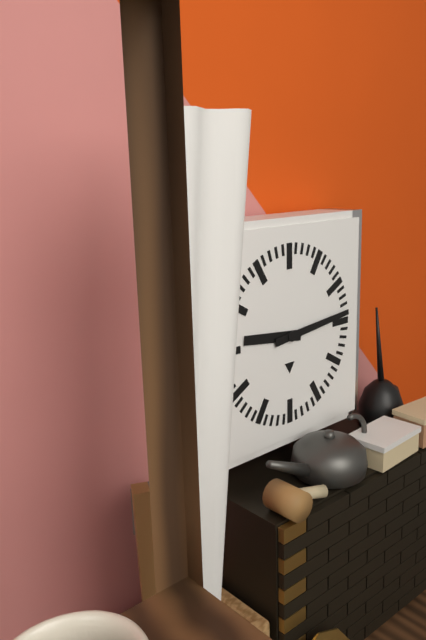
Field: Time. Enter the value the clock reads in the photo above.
9:14
